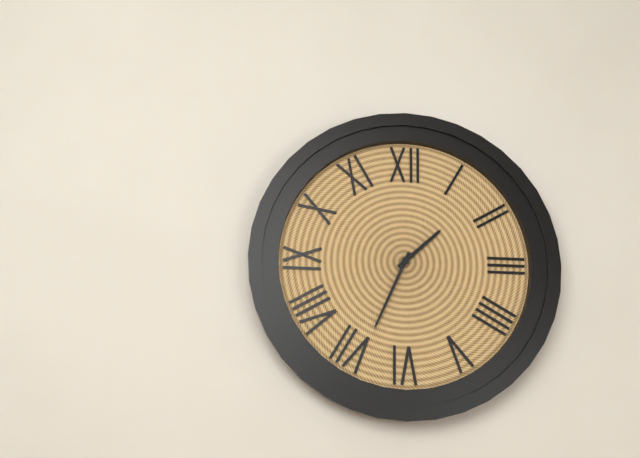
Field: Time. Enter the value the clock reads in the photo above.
1:34
